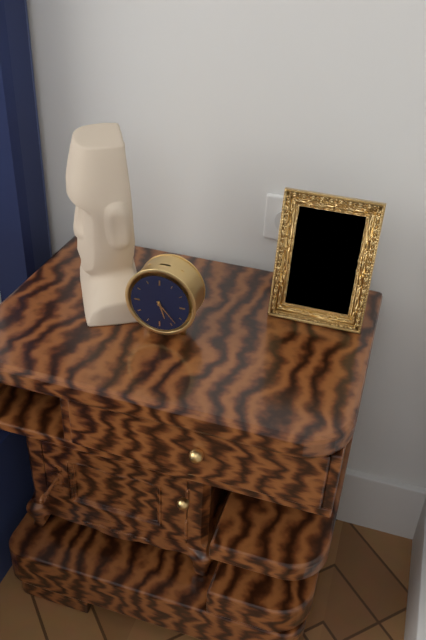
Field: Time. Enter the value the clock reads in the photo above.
5:23
